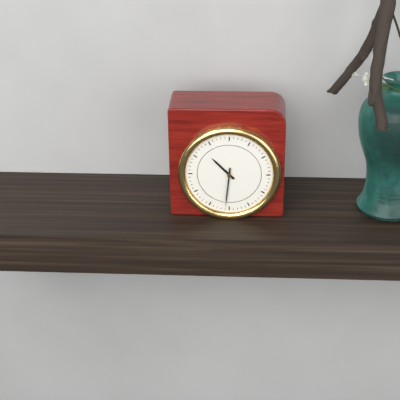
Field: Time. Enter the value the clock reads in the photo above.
10:31
